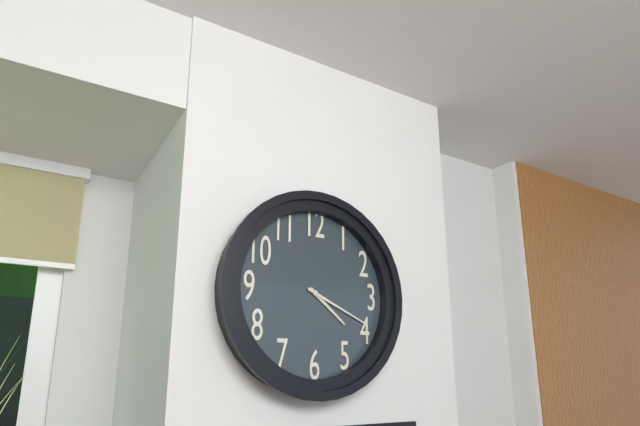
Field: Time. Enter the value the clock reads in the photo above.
4:19
